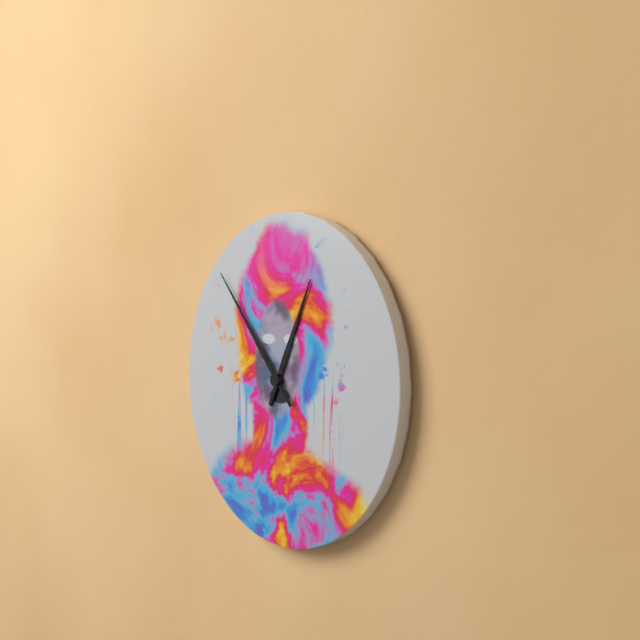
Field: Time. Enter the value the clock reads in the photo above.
12:53
